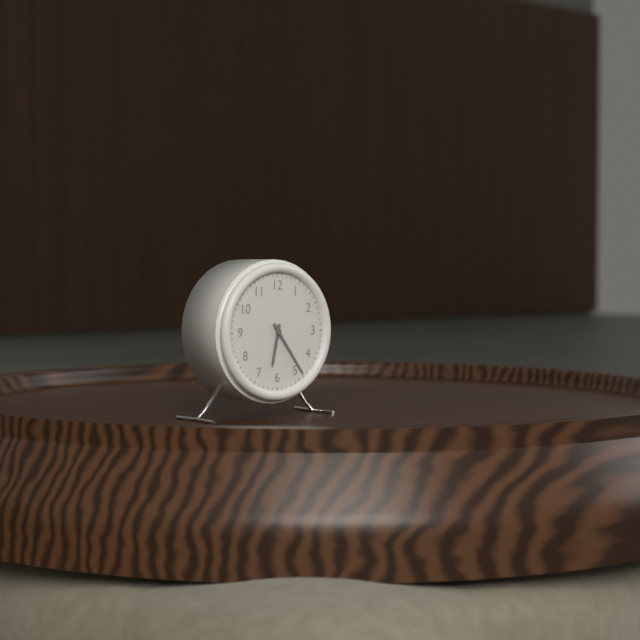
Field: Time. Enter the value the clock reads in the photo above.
6:24
